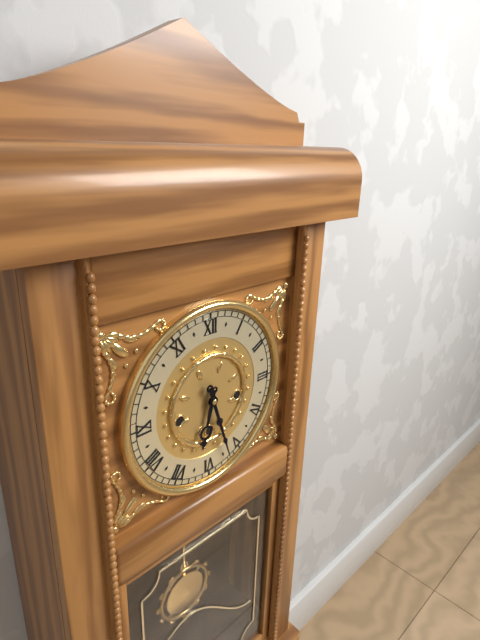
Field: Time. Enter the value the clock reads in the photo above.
6:27
